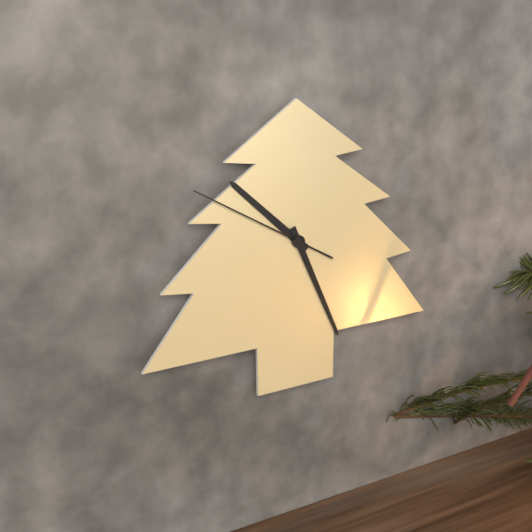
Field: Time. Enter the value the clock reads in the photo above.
10:26:50
